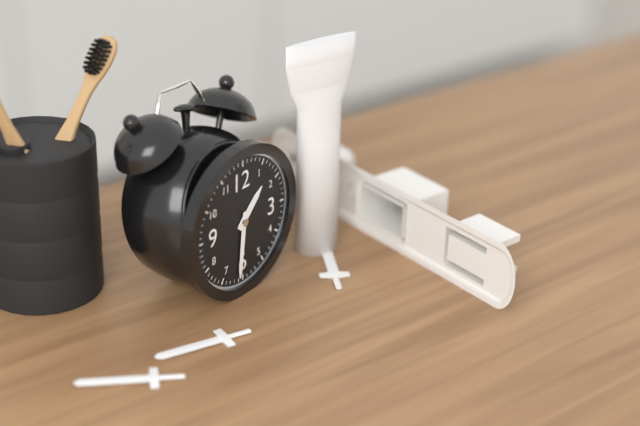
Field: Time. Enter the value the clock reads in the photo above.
1:31
